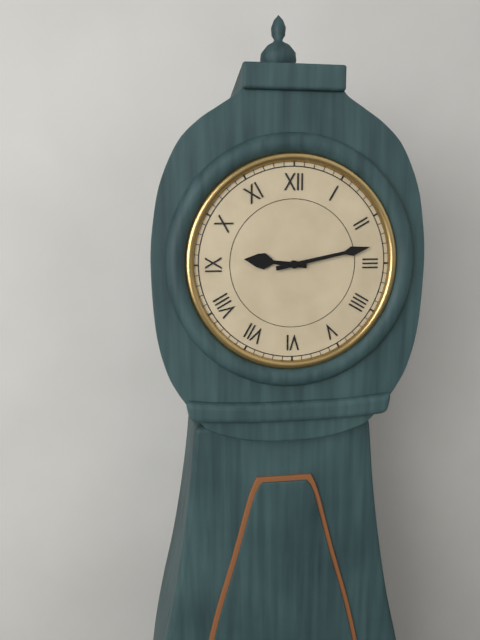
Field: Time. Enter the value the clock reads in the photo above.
9:13
